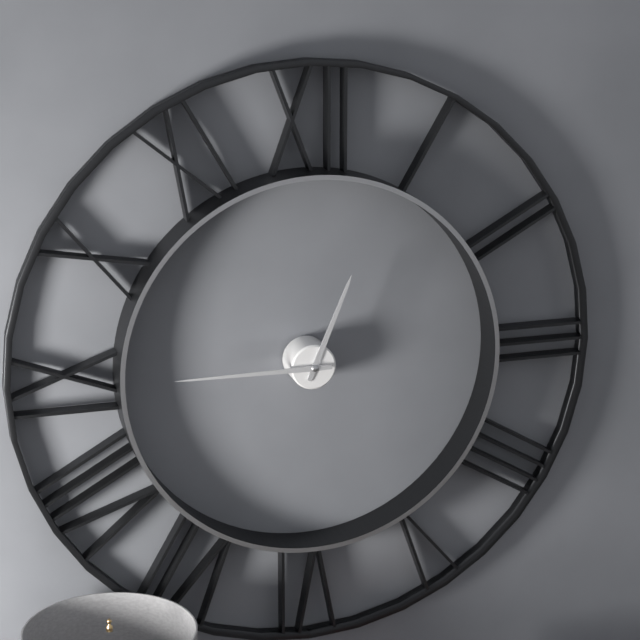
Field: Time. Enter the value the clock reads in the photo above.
12:45
